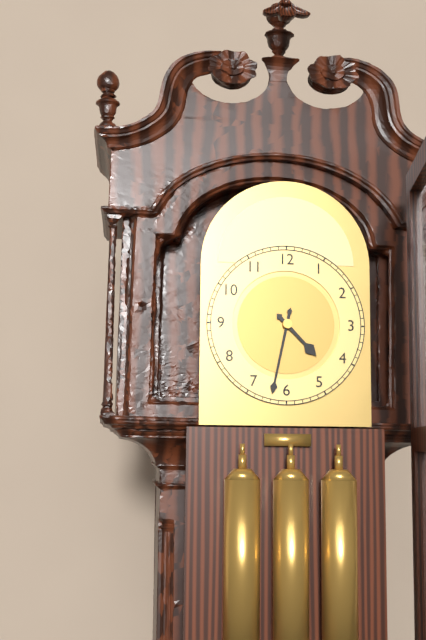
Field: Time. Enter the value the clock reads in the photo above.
4:32
